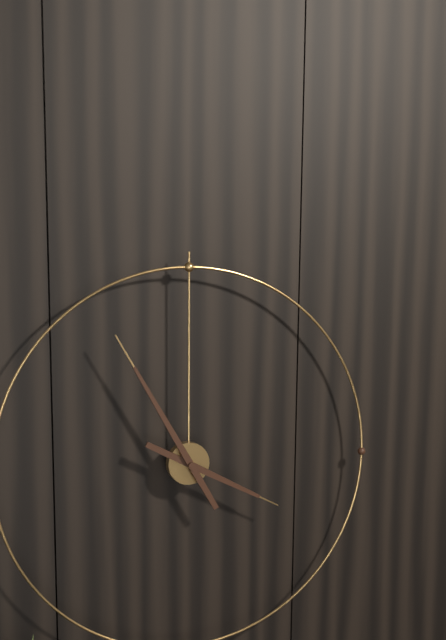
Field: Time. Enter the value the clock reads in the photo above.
3:55
